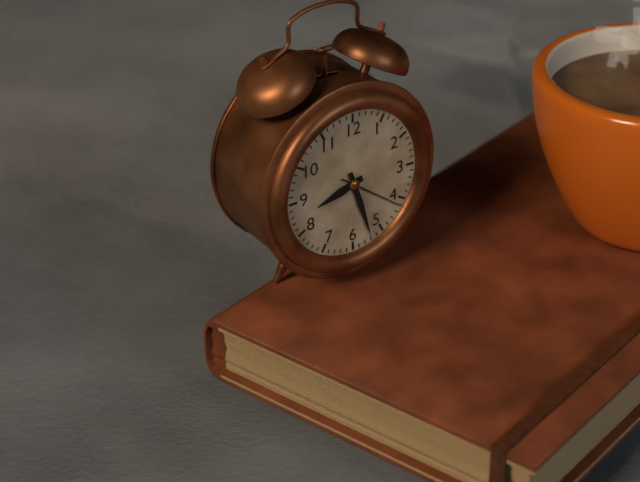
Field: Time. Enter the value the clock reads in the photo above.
8:27:21
